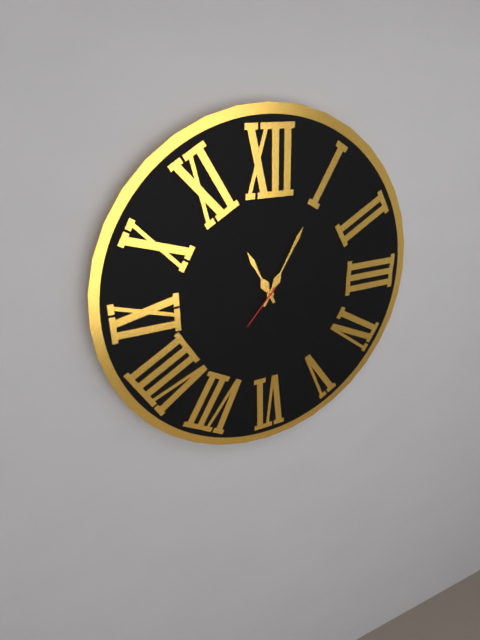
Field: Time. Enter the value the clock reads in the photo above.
11:05:37
